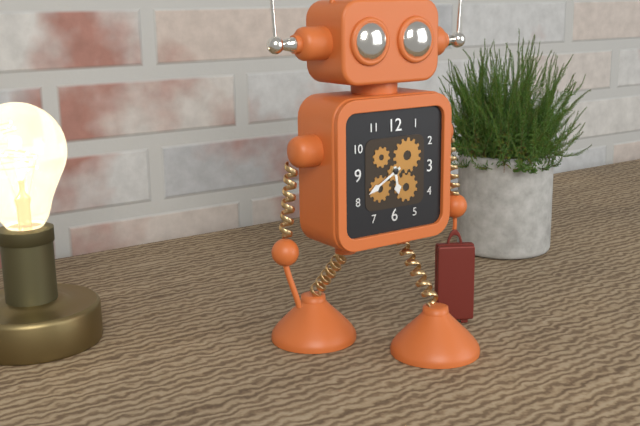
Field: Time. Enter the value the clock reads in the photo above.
5:40
